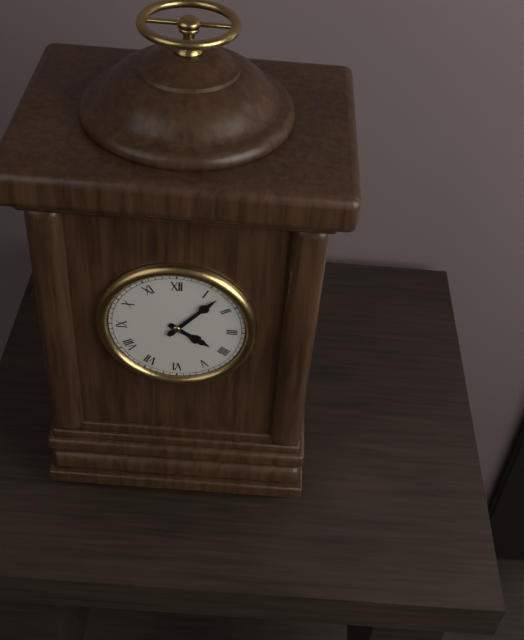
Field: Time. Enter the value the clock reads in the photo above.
4:07
